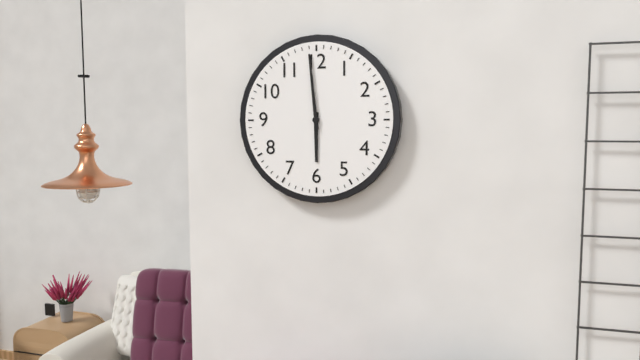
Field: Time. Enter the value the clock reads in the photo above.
5:59
